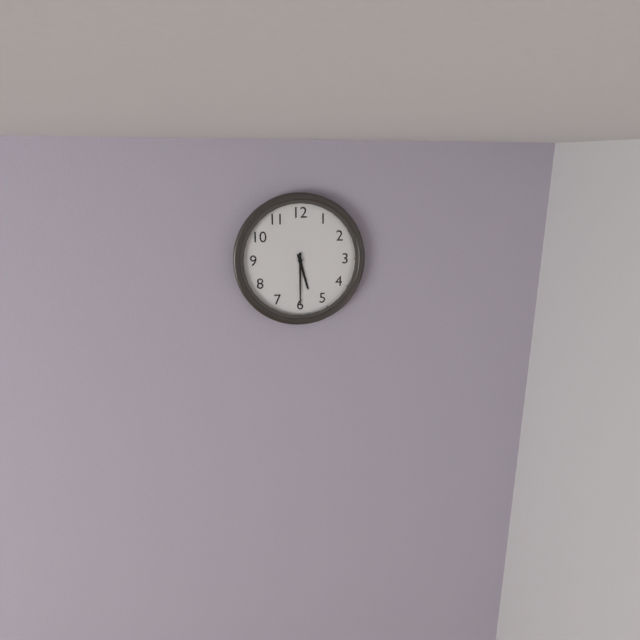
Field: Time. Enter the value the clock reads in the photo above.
5:30
